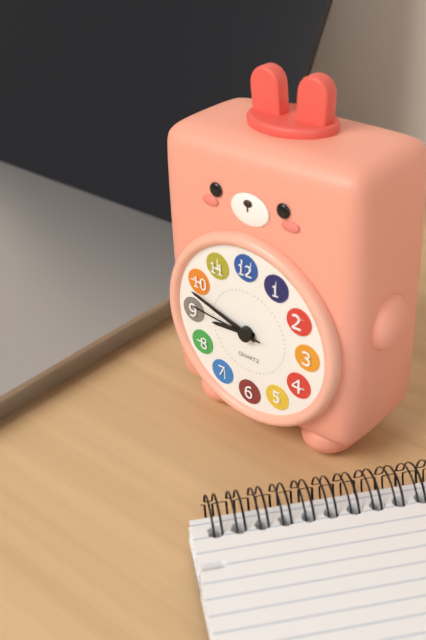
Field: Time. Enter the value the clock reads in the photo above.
8:48:46
